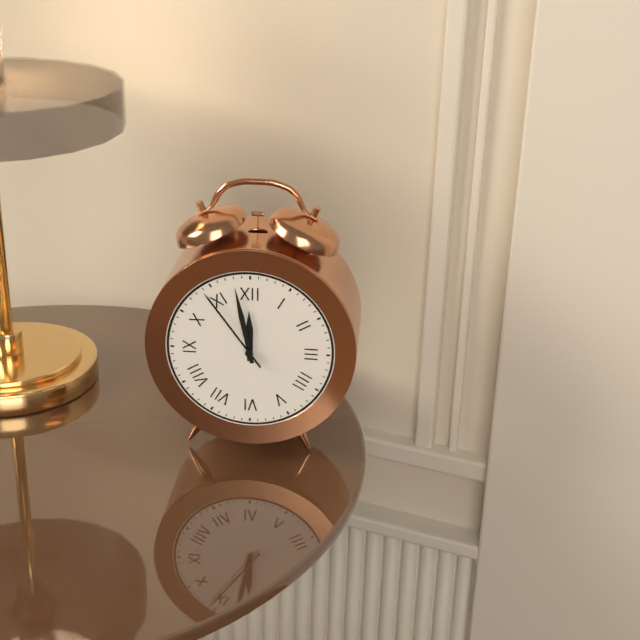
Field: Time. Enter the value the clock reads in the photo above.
11:58:54
